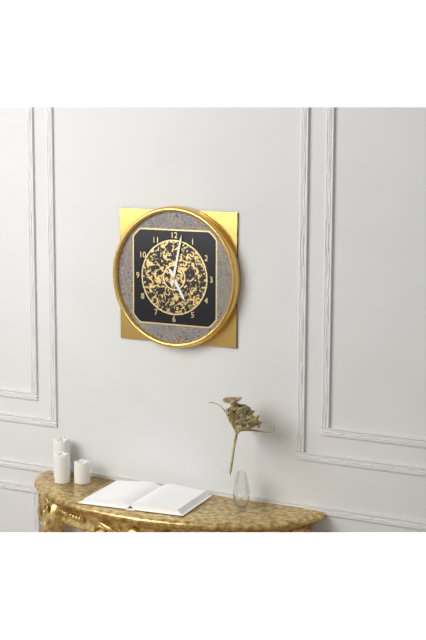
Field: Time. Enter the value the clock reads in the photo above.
5:02
